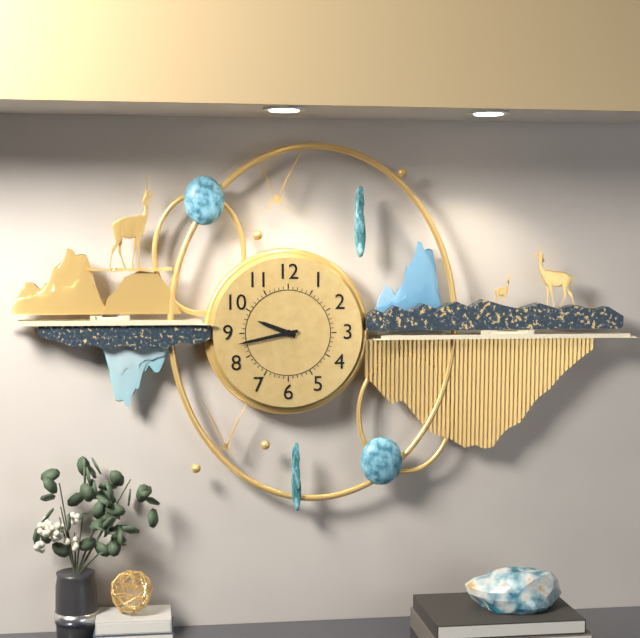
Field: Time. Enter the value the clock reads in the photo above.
9:43
